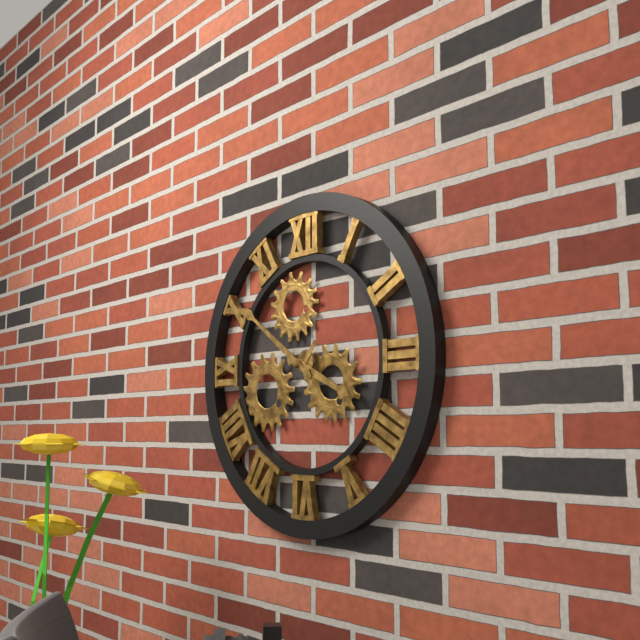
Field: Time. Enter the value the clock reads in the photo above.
3:51
